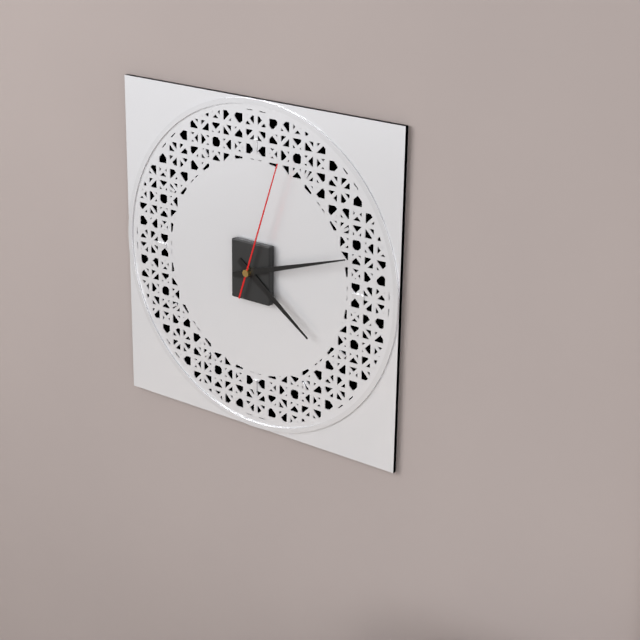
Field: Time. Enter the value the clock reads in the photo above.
4:12:03
